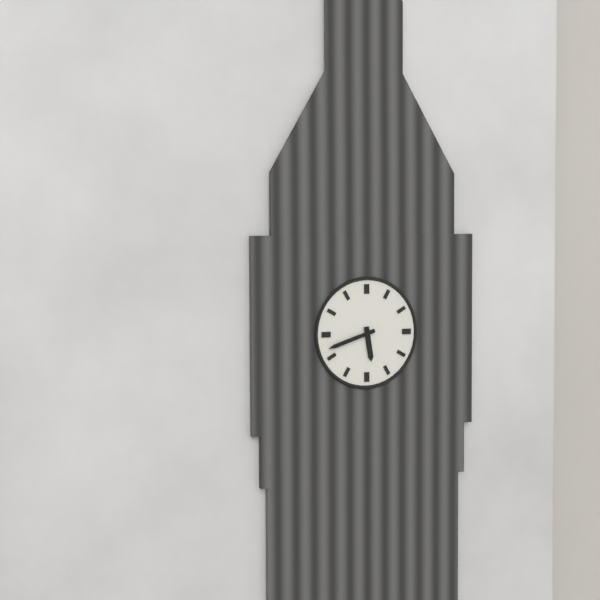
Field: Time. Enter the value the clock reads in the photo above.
5:42
